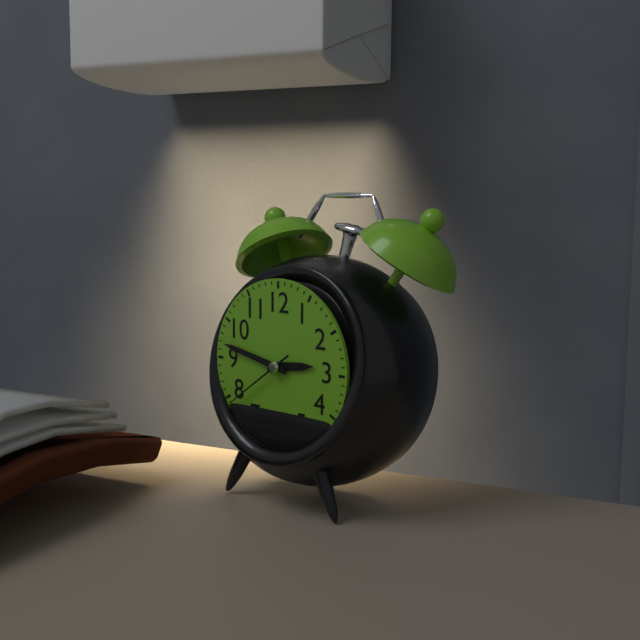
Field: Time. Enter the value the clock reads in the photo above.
2:47:39
